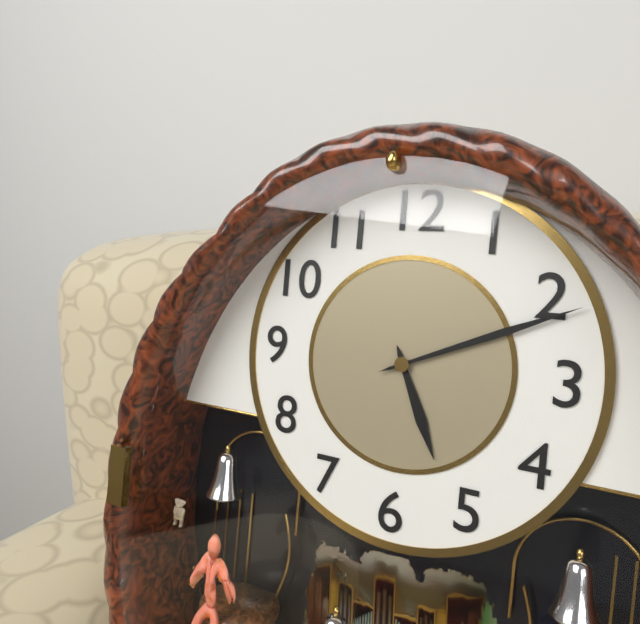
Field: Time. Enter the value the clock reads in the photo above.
5:11
